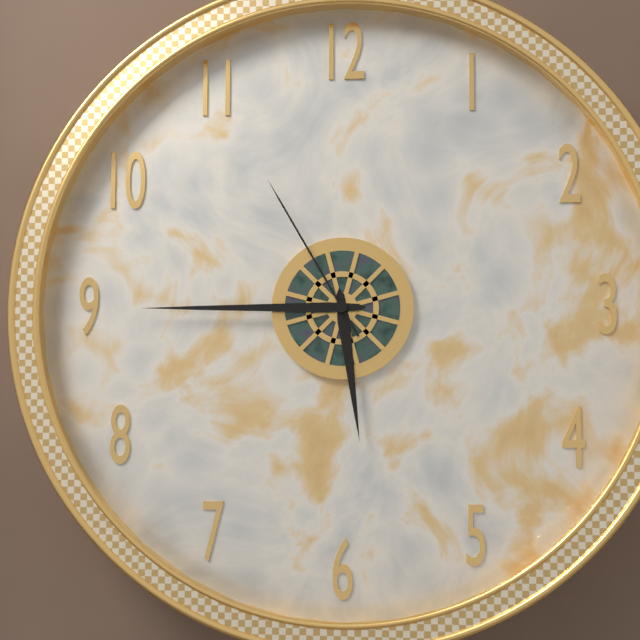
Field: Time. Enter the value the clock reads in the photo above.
5:45:55
